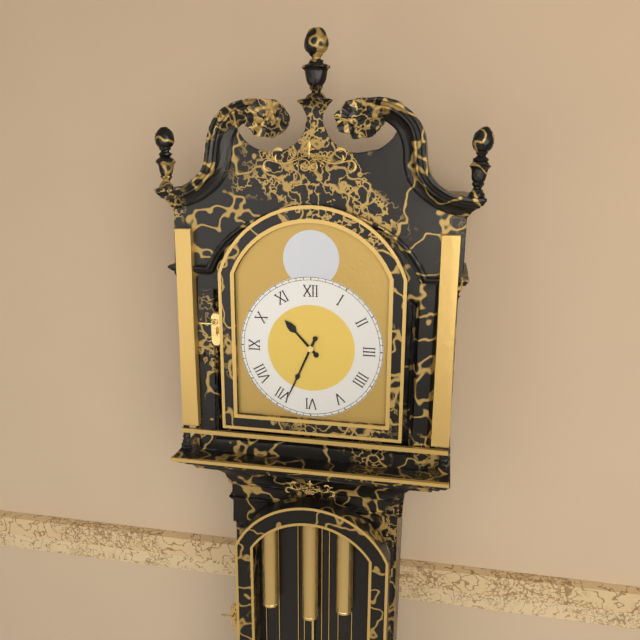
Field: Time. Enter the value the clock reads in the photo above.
10:34
